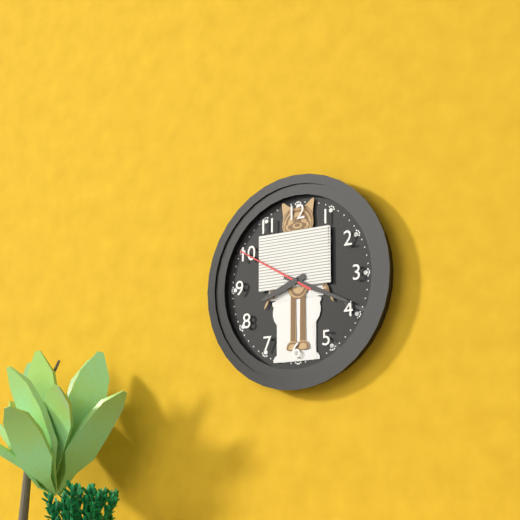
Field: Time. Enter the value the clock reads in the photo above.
8:19:50
